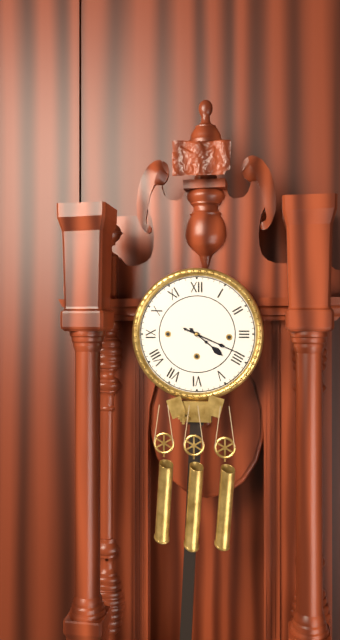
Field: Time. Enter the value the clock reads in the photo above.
4:19
